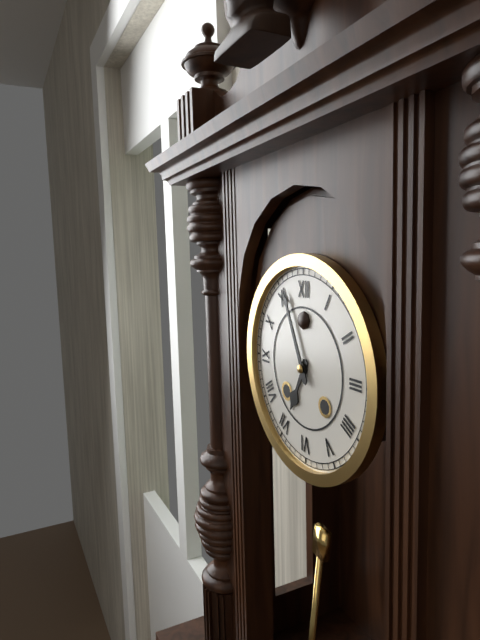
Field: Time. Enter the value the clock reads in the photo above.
6:56
